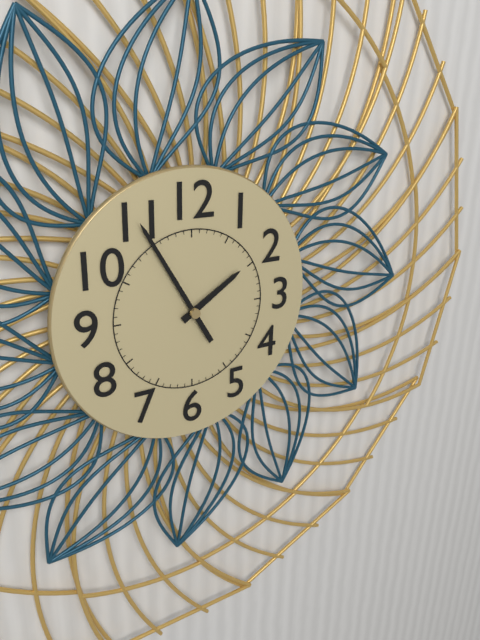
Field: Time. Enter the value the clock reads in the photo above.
1:55
